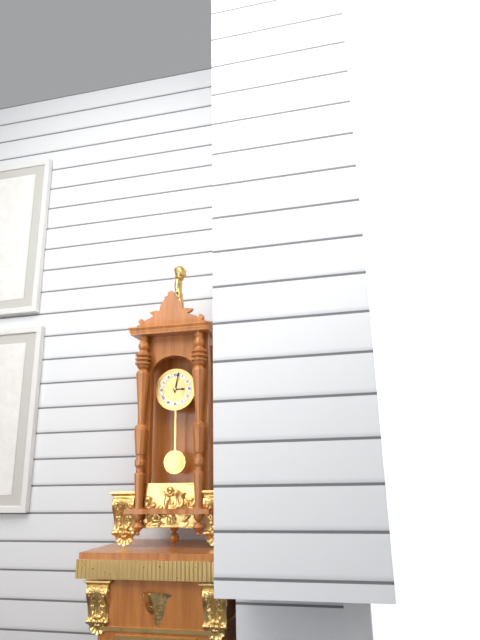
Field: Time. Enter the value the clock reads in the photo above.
3:02
